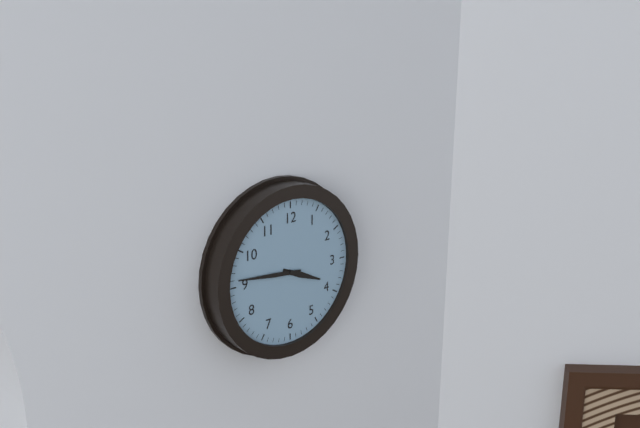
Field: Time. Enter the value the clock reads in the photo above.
3:46
